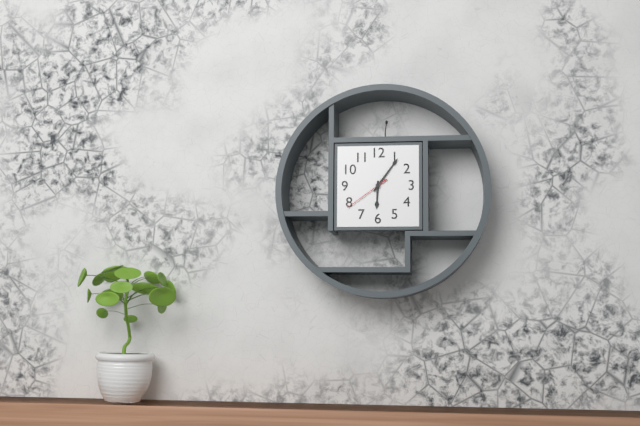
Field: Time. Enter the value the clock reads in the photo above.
6:06
